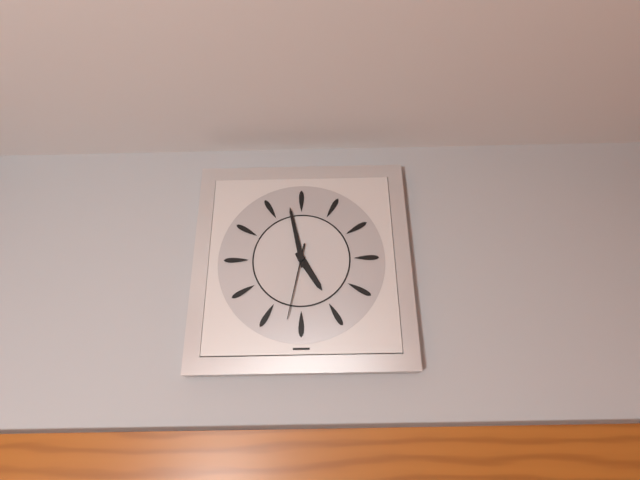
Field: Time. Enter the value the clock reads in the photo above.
4:58:32
